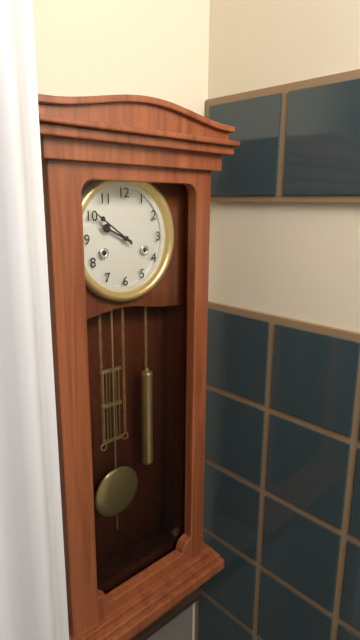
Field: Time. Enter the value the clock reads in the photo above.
9:51
